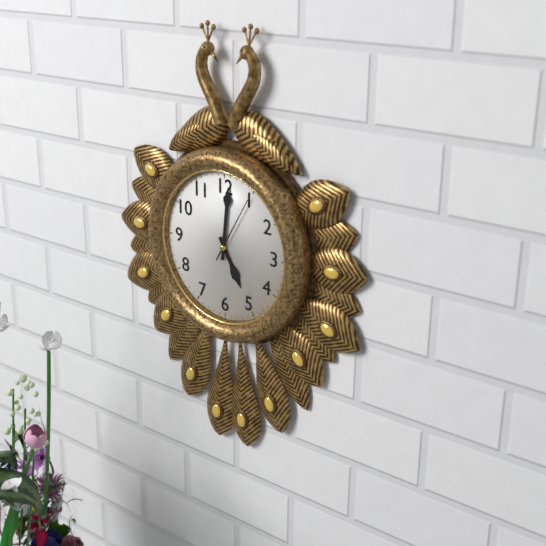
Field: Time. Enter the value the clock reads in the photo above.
5:01:05
